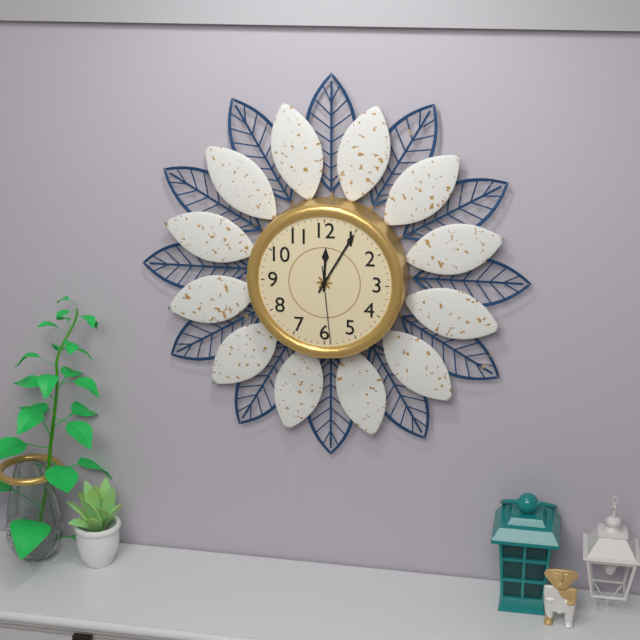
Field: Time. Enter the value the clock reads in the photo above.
12:05:29
